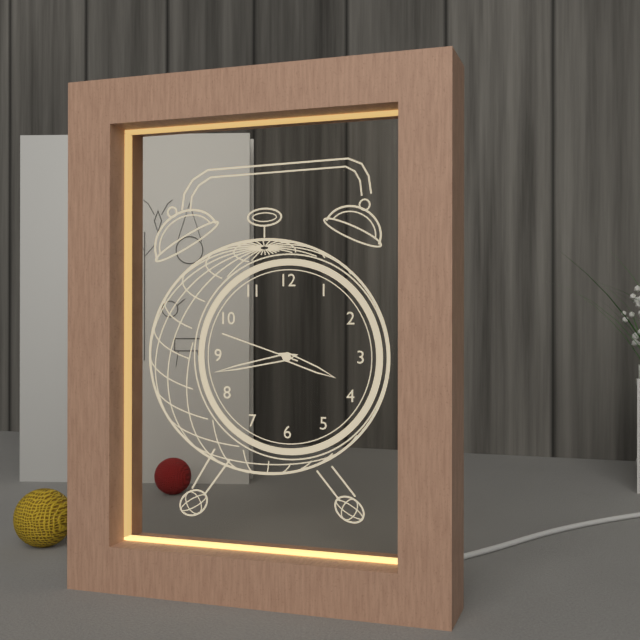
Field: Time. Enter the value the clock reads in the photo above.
3:43:48
